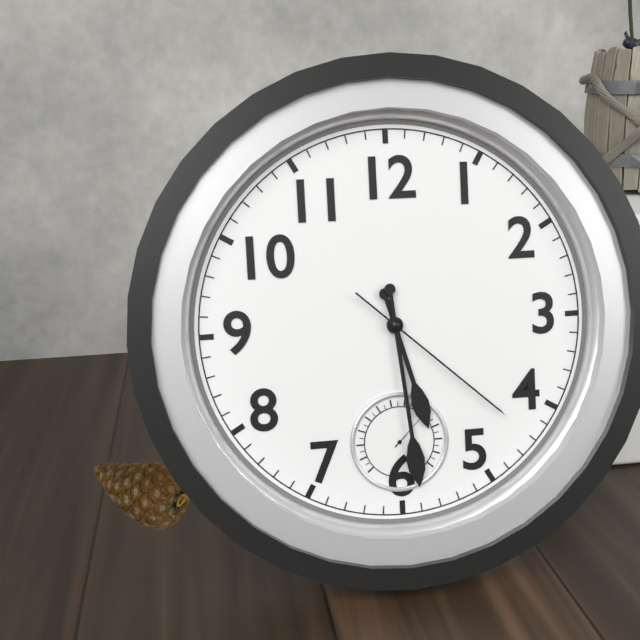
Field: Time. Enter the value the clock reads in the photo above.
5:29:22
